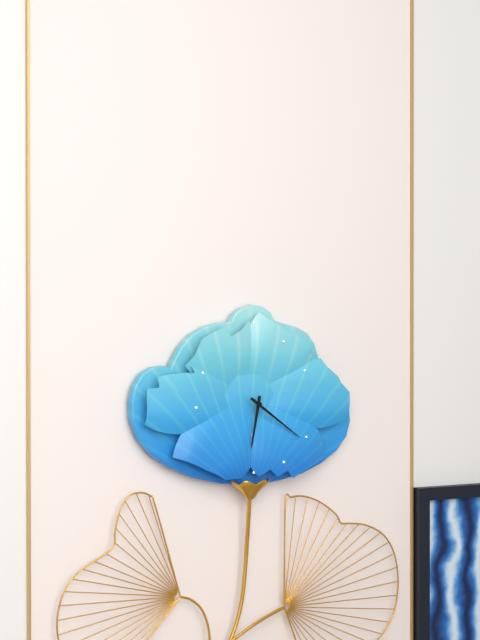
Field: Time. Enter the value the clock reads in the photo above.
6:21
